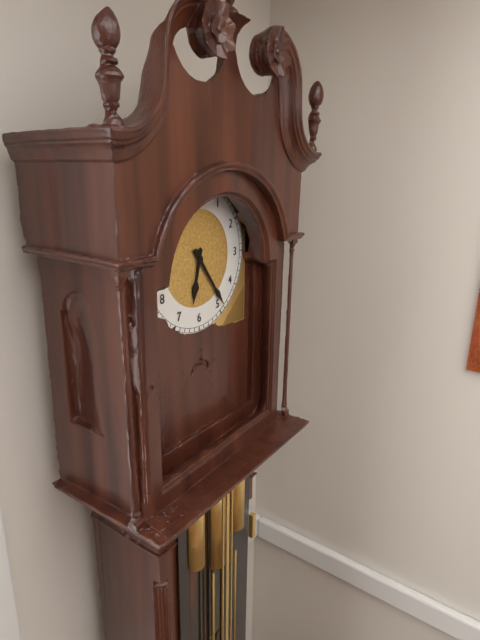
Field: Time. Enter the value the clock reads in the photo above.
6:24
